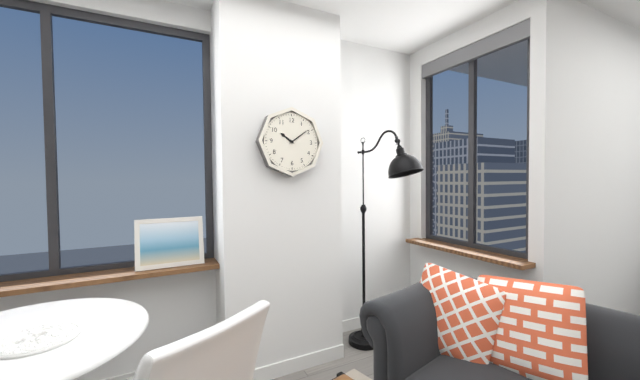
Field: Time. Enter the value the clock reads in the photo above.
10:09
